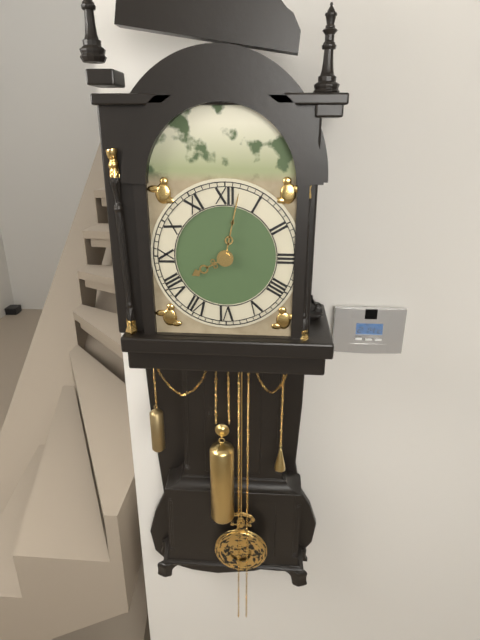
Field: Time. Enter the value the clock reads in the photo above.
8:02
